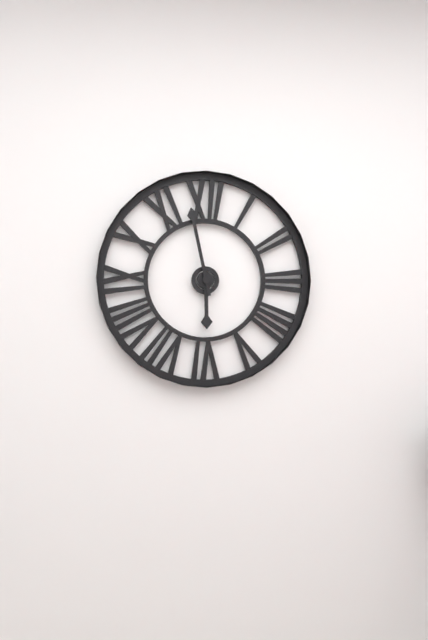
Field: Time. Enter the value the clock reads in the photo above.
5:58
